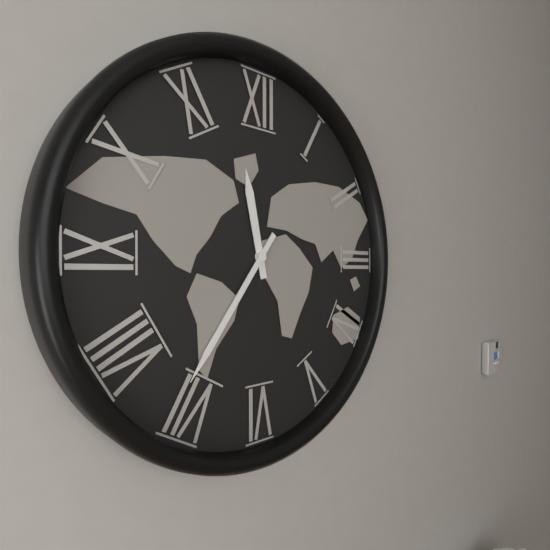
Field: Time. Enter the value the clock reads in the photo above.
11:36
